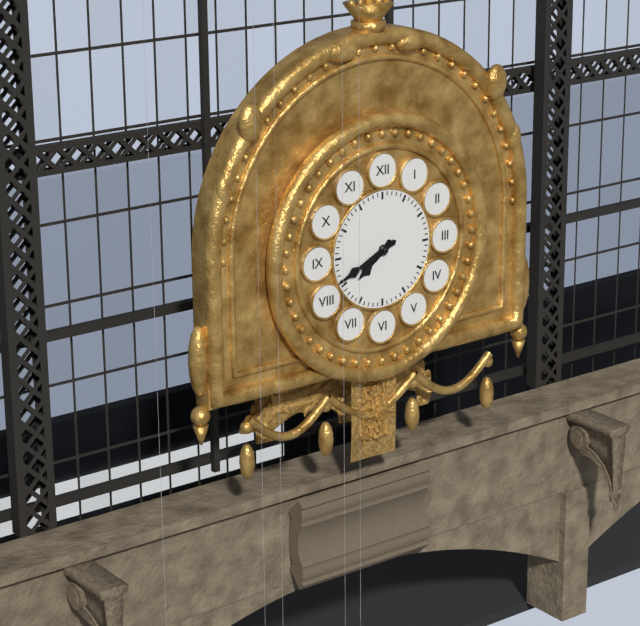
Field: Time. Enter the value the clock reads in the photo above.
7:41
